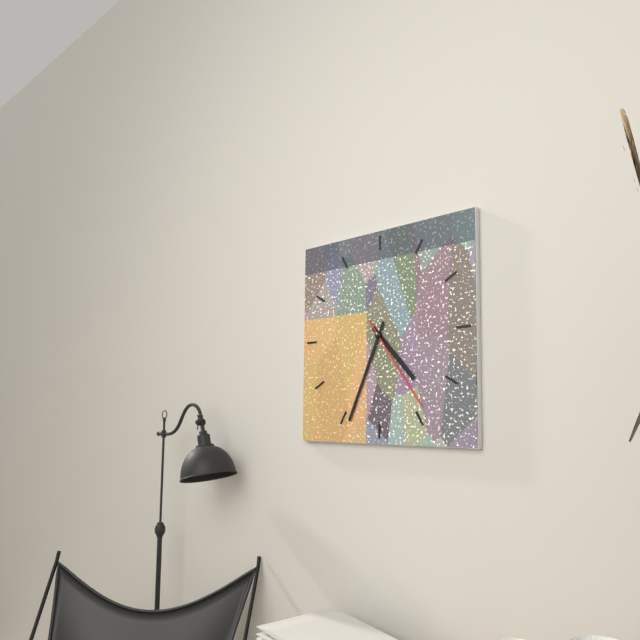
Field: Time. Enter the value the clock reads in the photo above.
4:34:24
